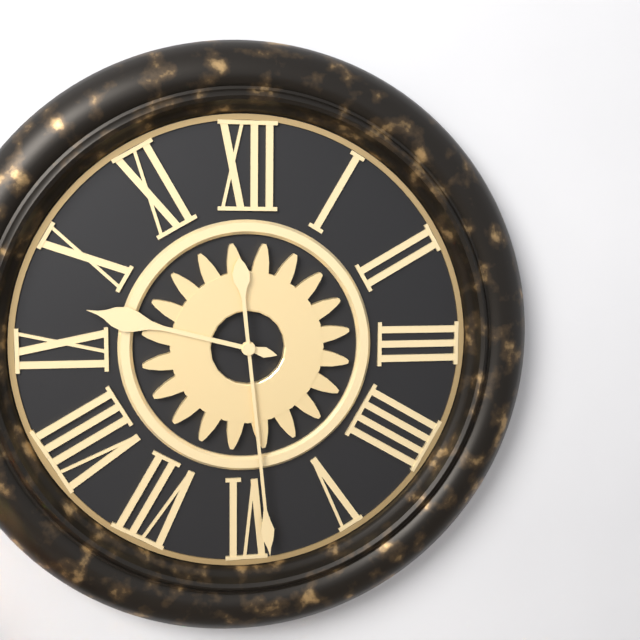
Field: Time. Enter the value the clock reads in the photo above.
9:29
